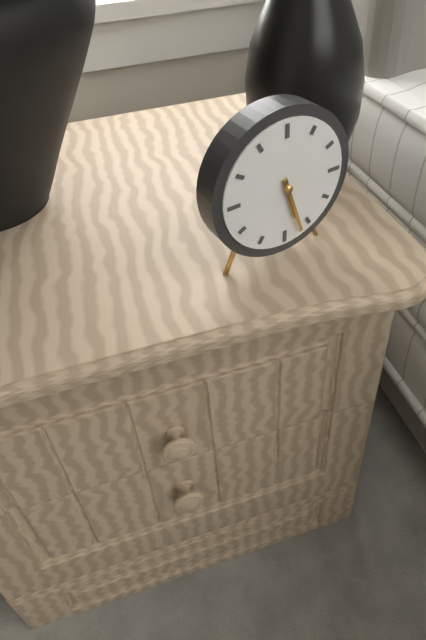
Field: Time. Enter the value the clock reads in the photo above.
5:27
